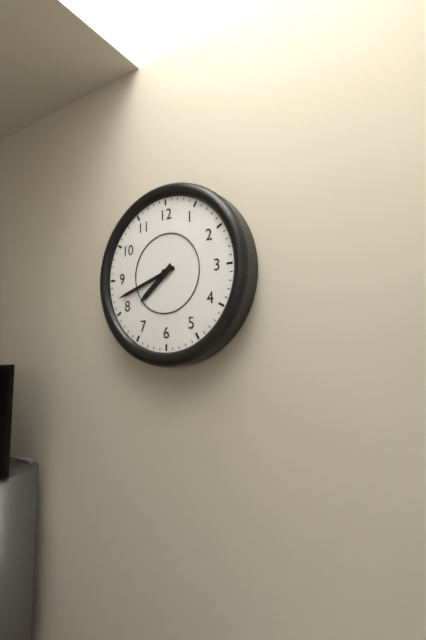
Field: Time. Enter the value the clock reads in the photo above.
7:42
